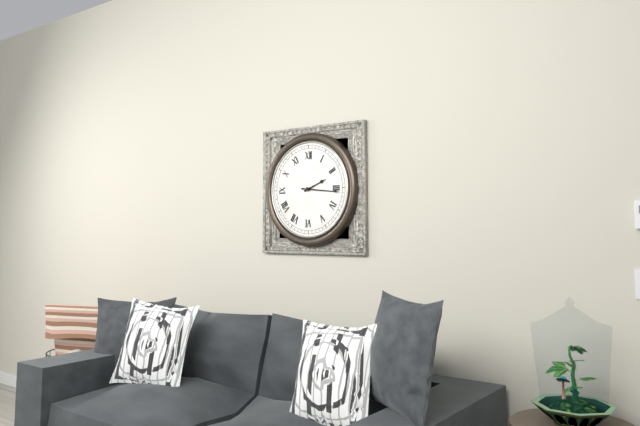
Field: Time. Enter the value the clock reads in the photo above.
2:16
